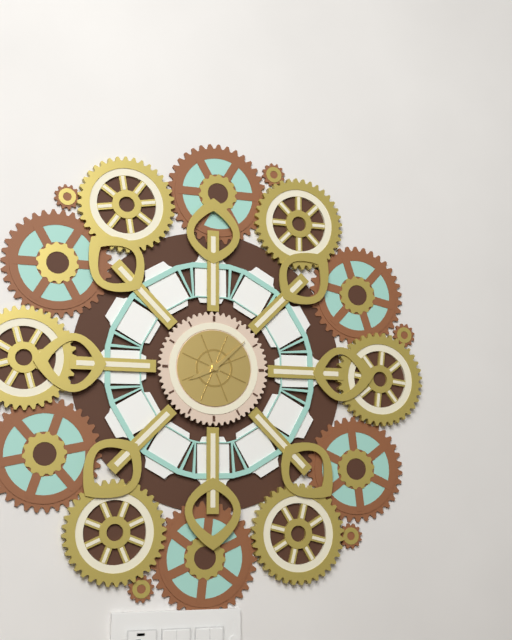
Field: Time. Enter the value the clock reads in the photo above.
8:08
